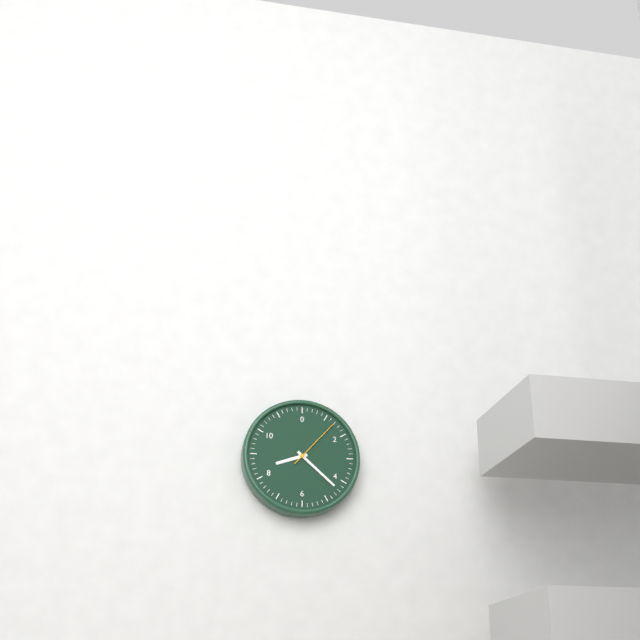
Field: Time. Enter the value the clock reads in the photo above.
8:22:07
